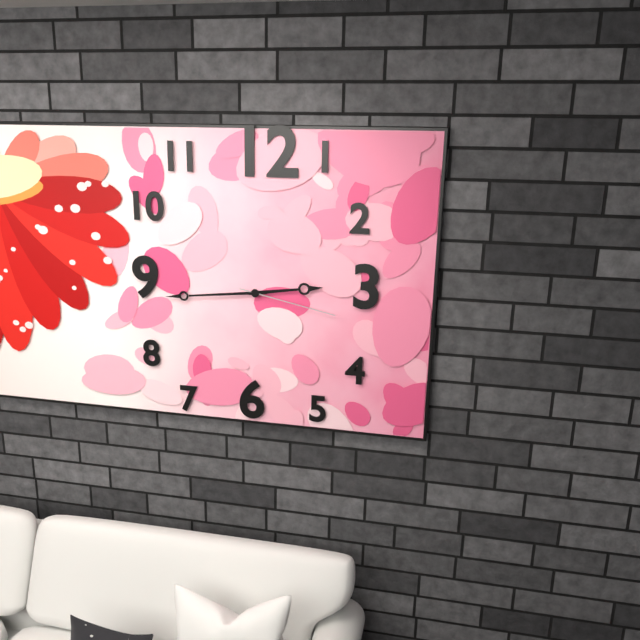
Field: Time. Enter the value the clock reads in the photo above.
2:44:17
